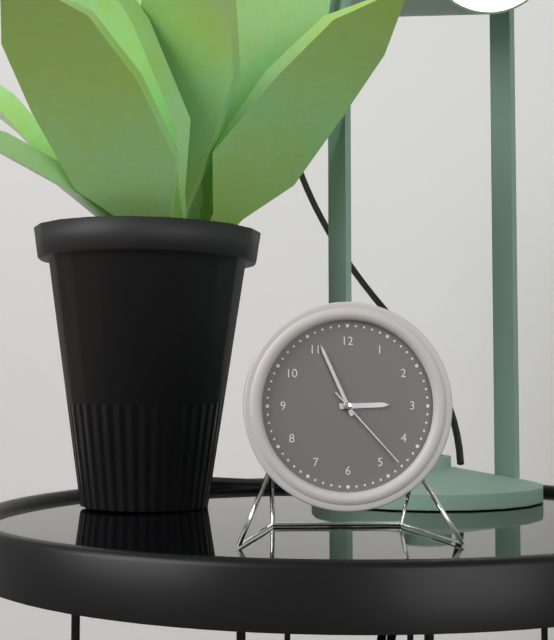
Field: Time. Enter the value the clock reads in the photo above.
2:56:23
